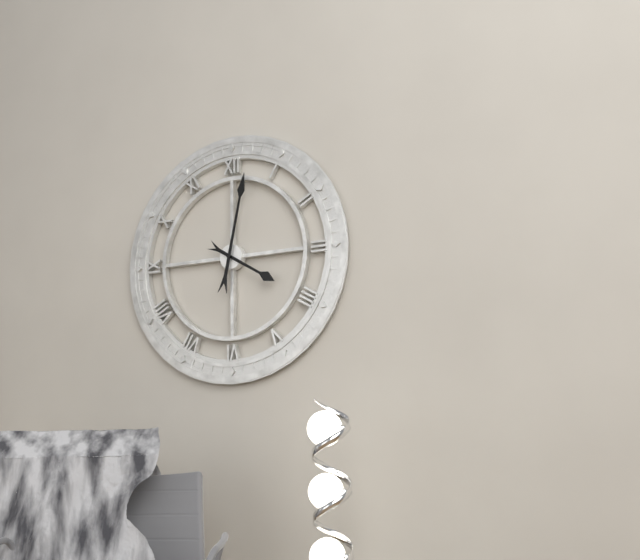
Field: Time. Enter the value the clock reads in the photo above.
4:02
